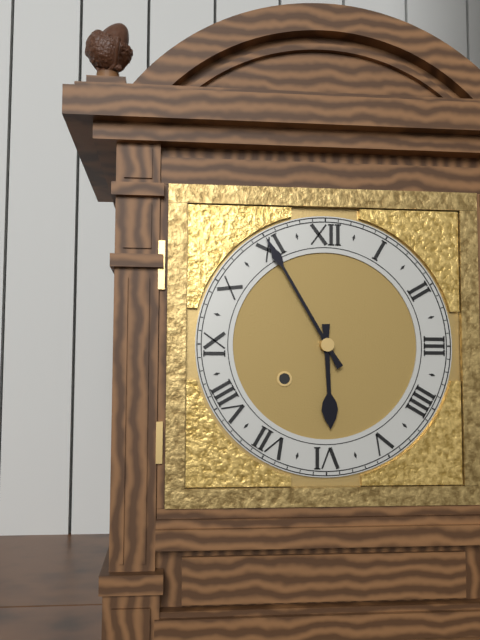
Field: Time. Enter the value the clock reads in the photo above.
5:55
